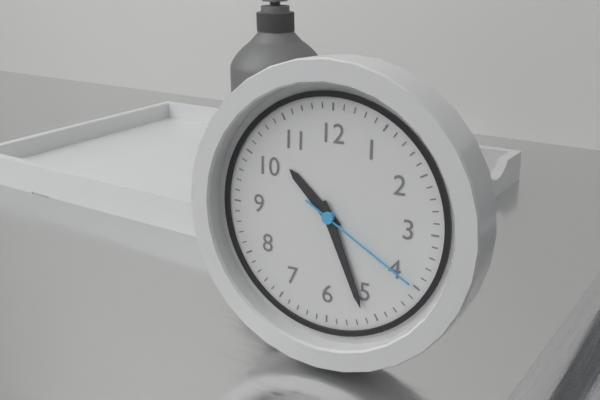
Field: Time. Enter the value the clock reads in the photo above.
10:26:20
